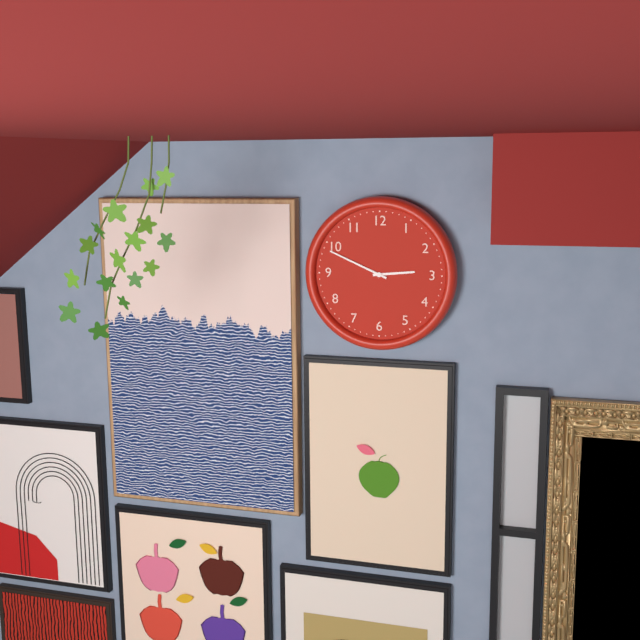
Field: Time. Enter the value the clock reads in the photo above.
2:49
